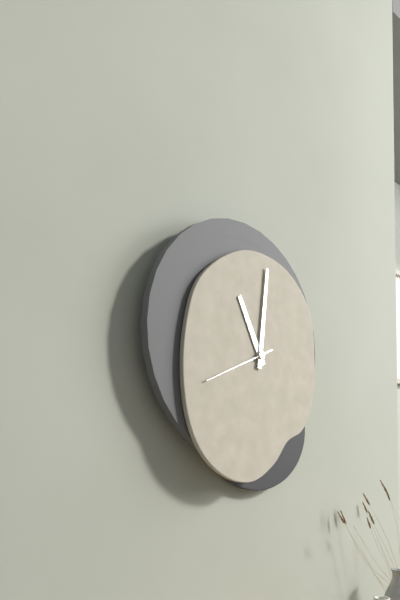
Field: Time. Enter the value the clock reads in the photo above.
11:01:41
